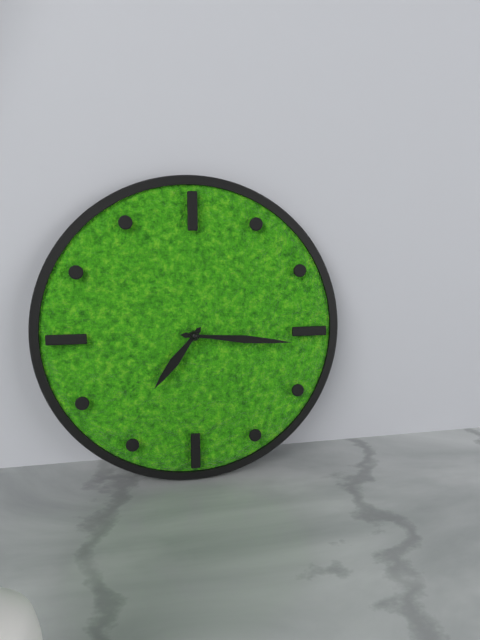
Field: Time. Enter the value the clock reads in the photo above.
7:16
